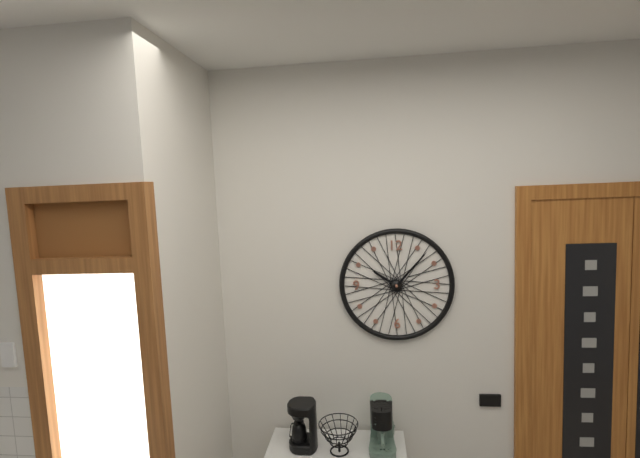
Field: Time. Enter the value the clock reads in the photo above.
10:07
